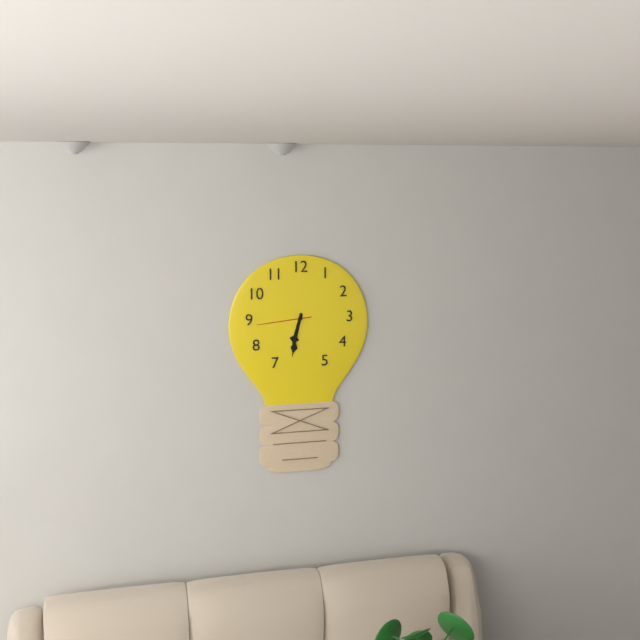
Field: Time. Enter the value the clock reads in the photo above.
6:32:44
